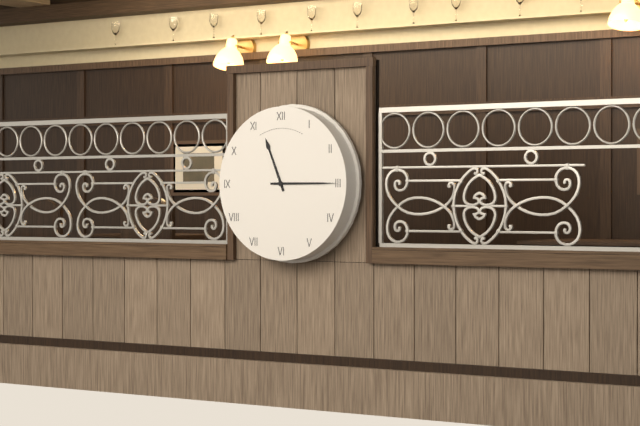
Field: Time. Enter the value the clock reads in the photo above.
11:15
